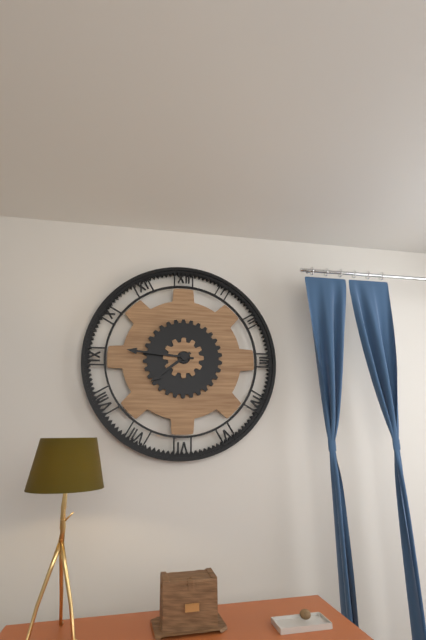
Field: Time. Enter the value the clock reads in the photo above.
7:46
